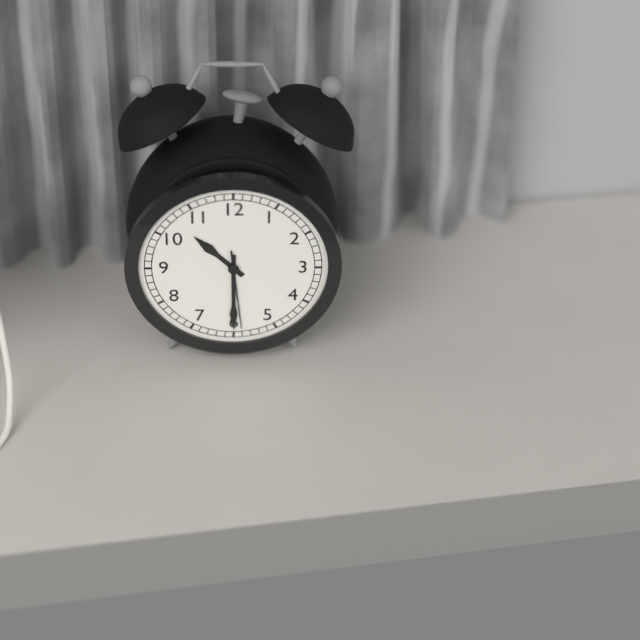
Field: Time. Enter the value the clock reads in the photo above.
10:30:29
